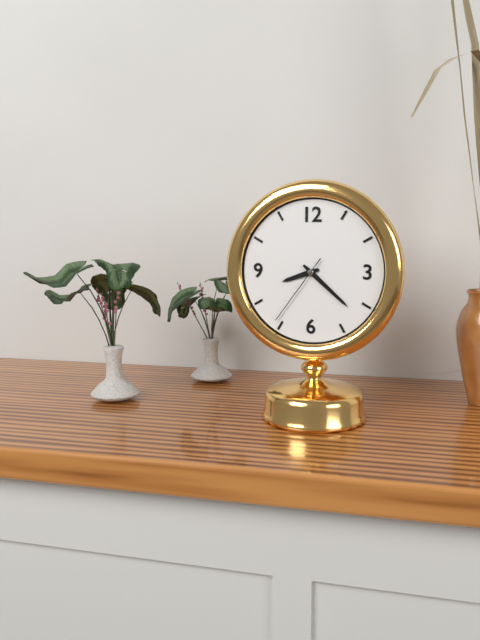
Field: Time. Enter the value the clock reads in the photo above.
8:22:36
